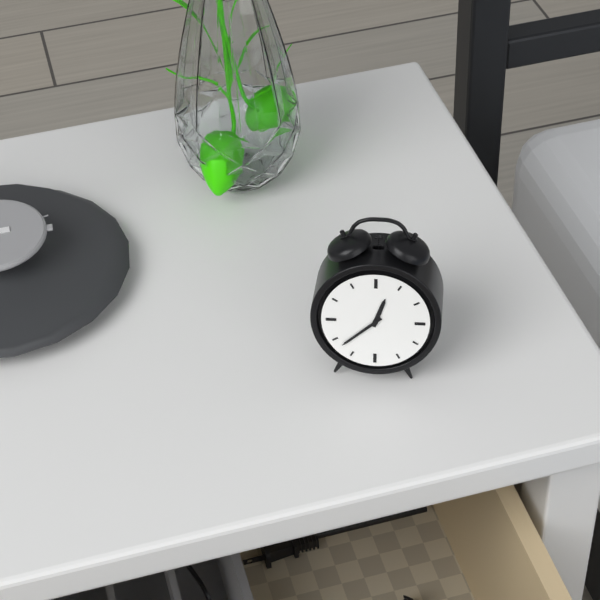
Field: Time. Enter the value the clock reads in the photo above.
12:38
